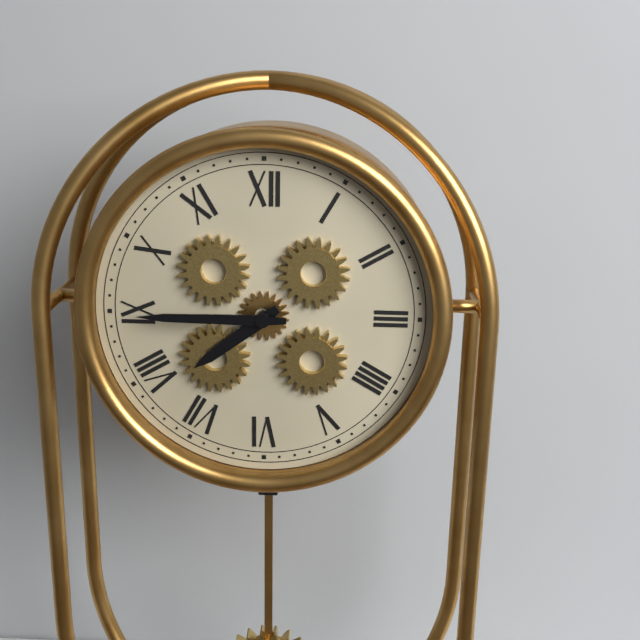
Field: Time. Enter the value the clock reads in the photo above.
7:45
